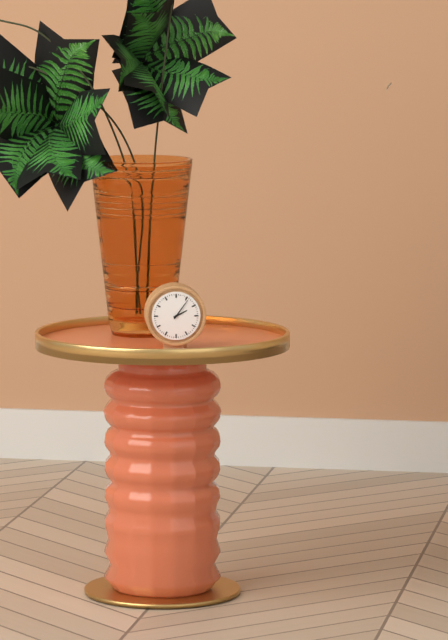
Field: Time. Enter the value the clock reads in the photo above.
2:06
